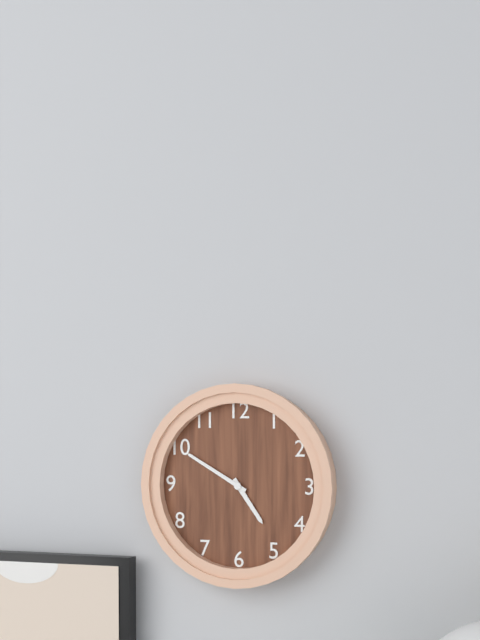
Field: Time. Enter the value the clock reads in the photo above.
4:50
